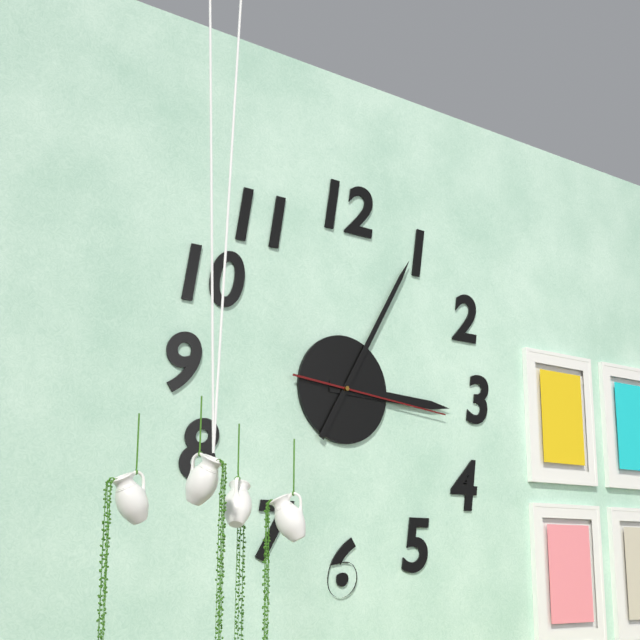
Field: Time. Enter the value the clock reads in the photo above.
3:05:16
